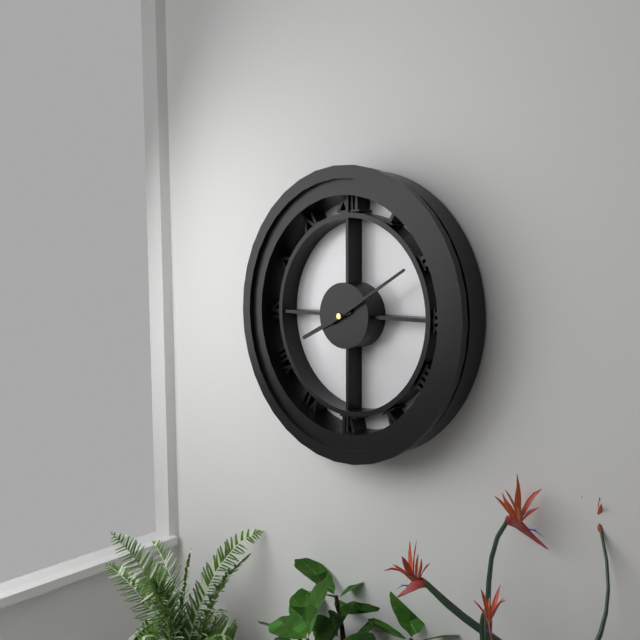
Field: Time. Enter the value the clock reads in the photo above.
8:10
